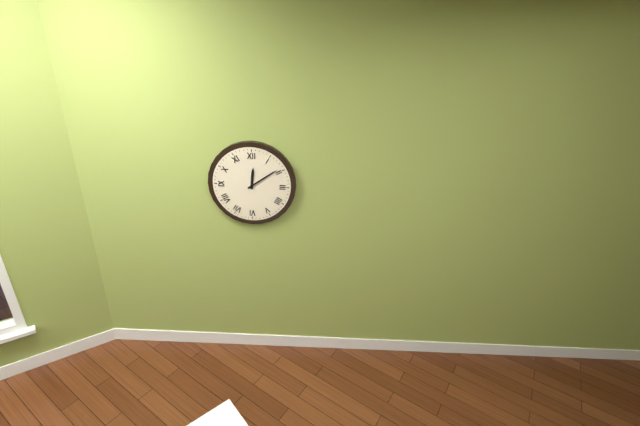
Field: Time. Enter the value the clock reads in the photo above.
12:09
